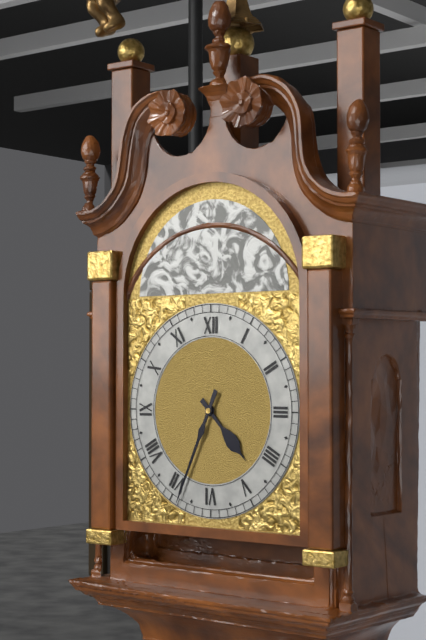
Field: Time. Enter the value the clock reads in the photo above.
4:34
